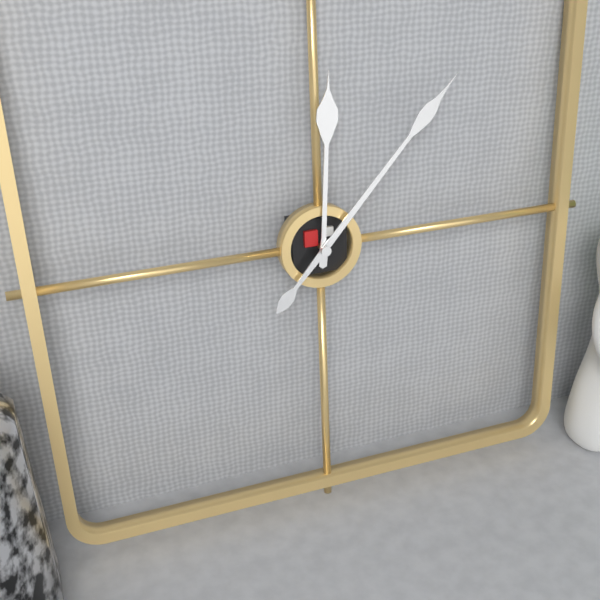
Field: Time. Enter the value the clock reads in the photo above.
12:07
